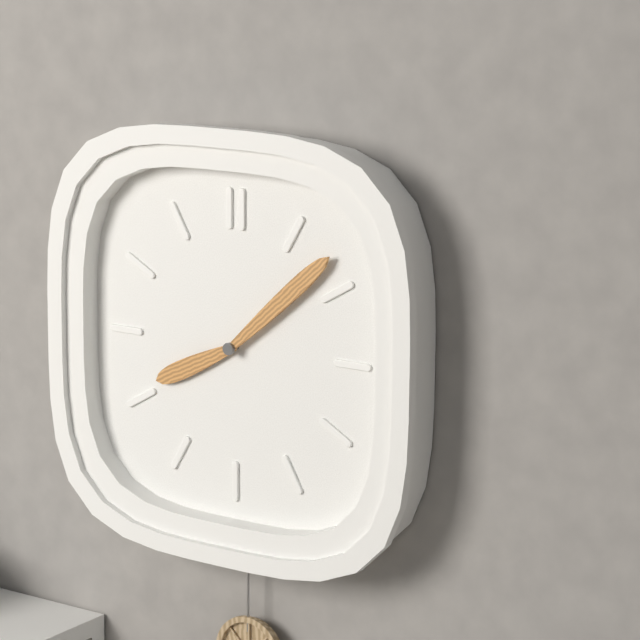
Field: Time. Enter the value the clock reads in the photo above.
8:08
